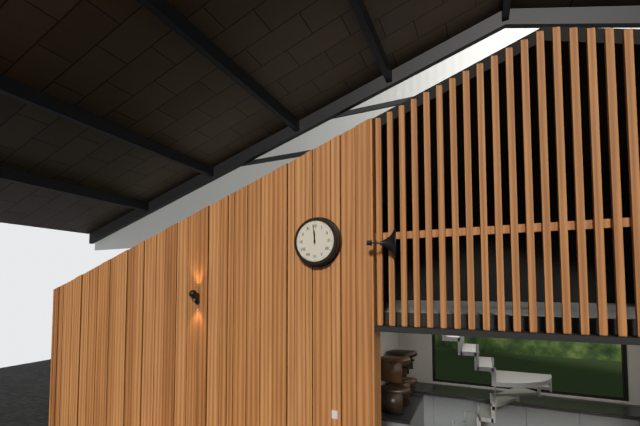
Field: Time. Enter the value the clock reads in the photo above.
11:59
